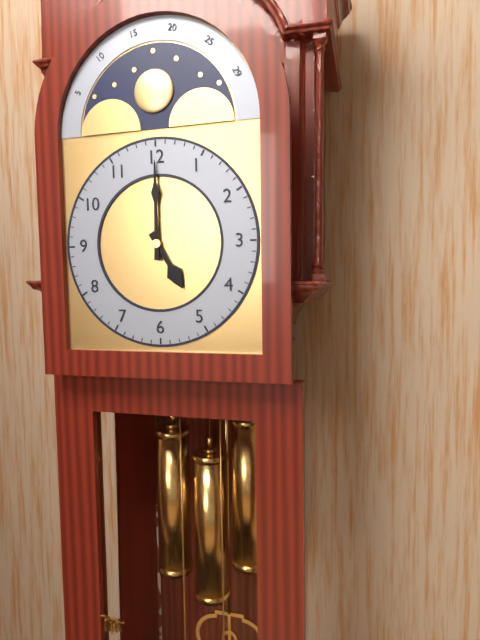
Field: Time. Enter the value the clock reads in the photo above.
5:00
